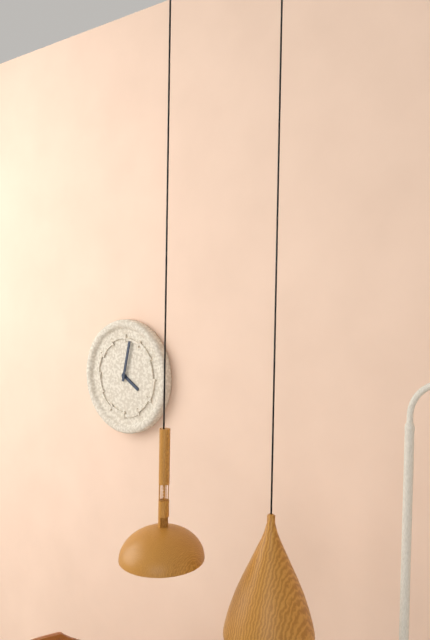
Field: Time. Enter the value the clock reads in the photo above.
4:02
